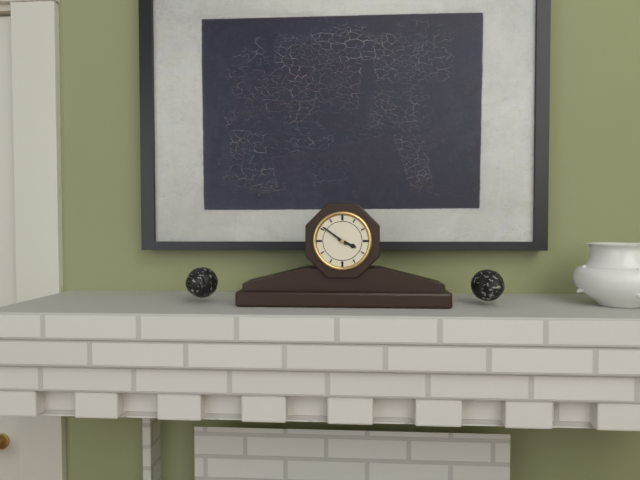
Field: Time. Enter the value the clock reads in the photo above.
3:51
